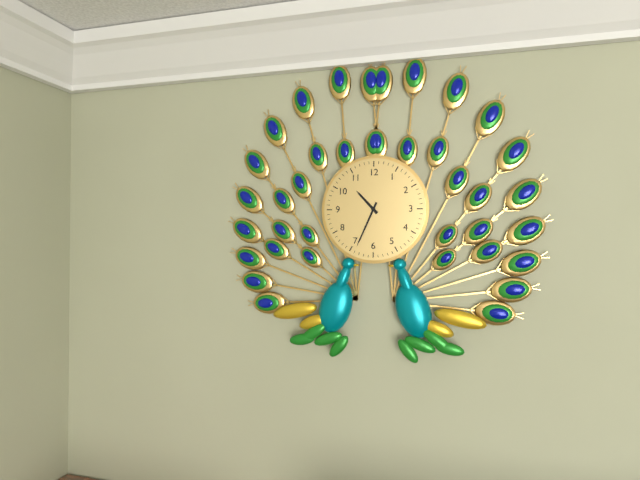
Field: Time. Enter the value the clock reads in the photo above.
10:34
